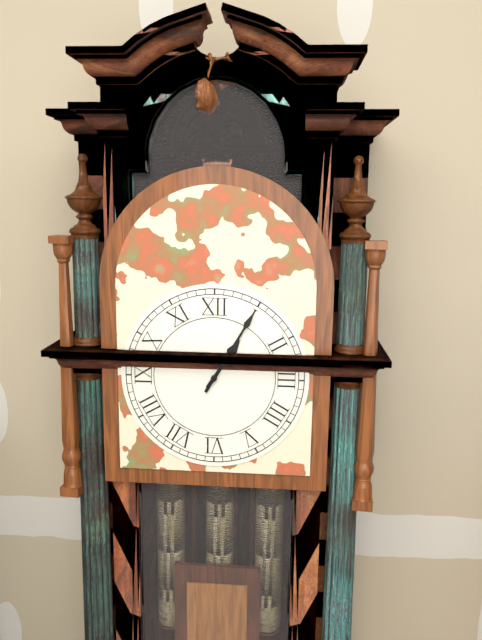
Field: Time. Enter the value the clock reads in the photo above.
1:05
